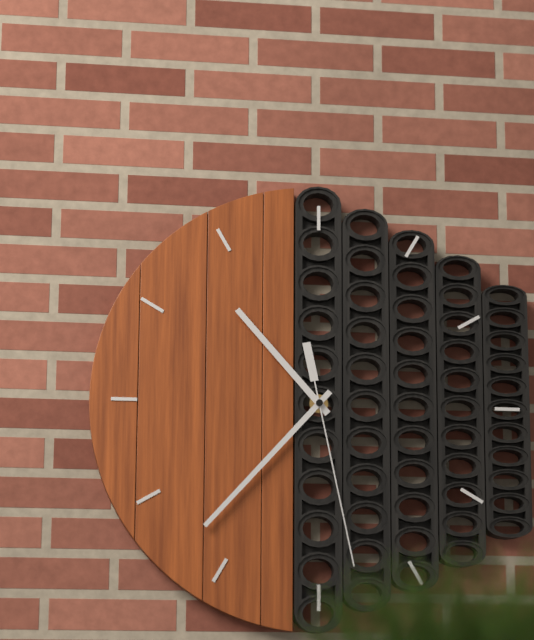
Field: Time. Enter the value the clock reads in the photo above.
10:37:28
